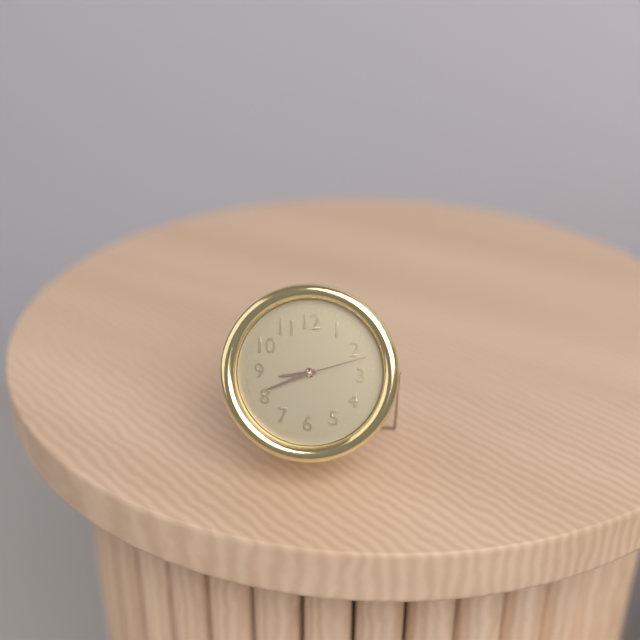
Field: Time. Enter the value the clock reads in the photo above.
8:41:12
